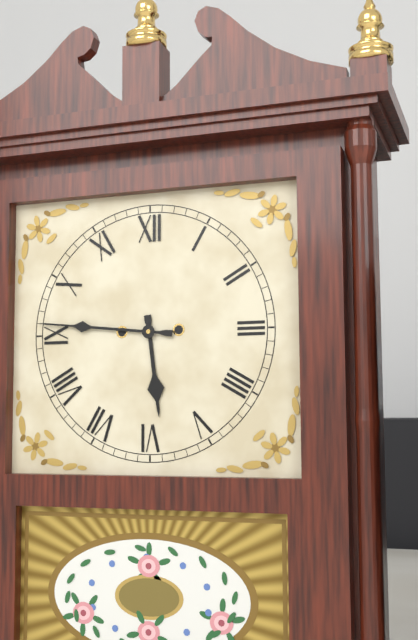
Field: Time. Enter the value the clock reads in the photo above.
5:46
